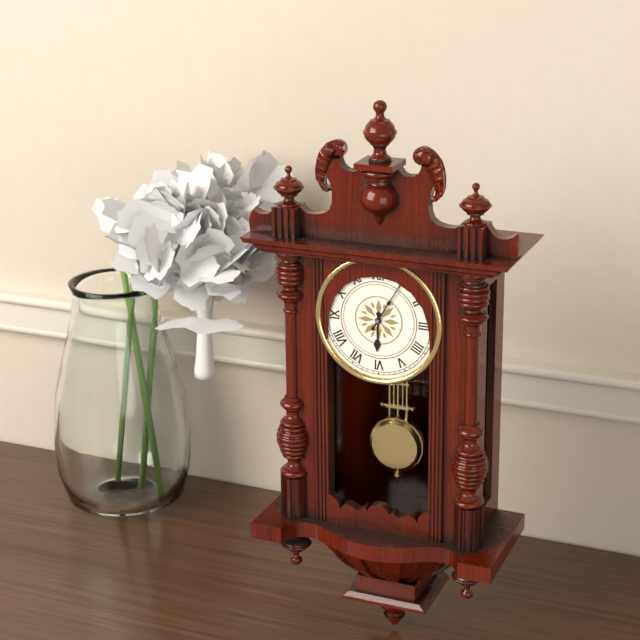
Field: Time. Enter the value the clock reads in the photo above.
6:05
